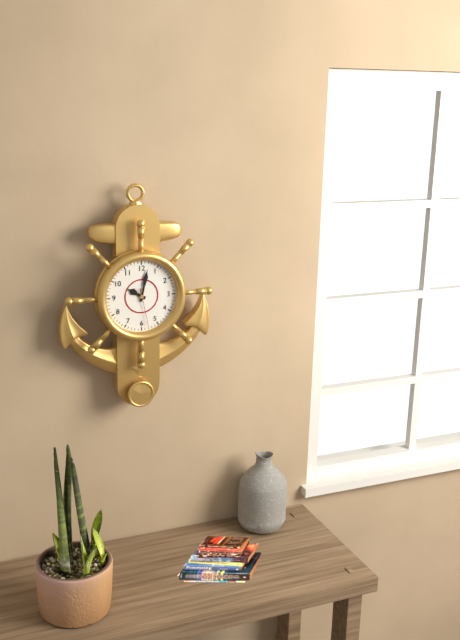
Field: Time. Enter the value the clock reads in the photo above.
10:02
